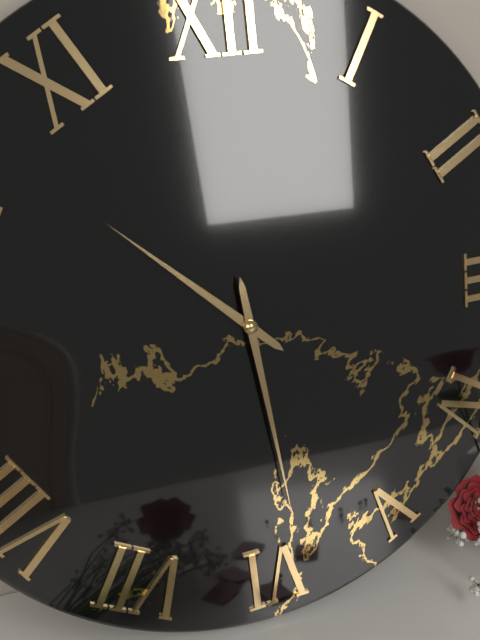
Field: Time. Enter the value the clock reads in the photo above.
10:29
